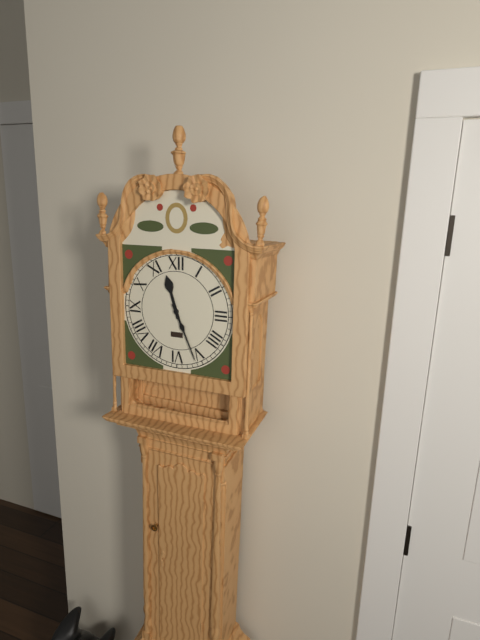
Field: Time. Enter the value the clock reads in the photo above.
11:26
